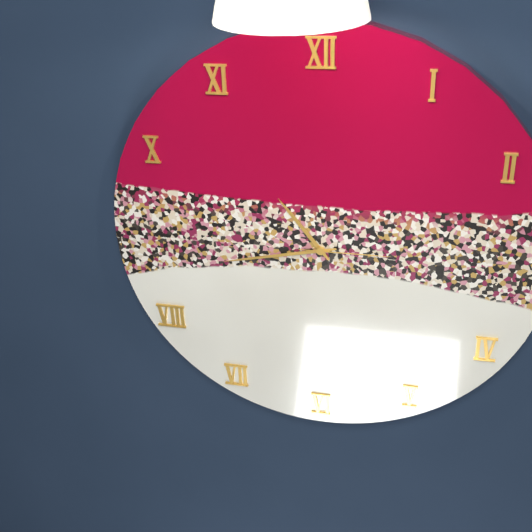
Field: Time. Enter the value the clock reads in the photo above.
10:43:15
